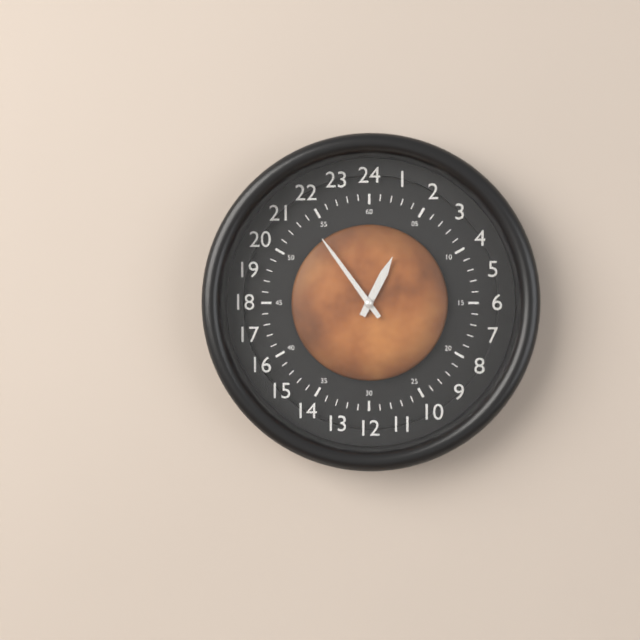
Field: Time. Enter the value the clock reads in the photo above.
12:54
